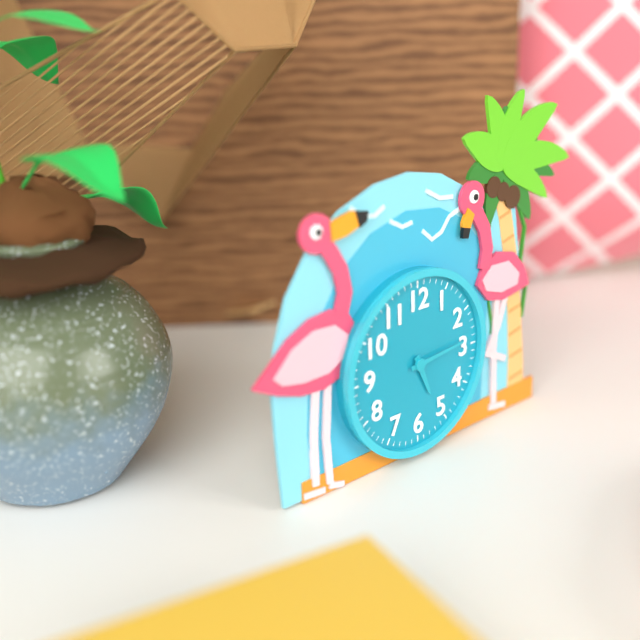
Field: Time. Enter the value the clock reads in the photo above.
5:14
